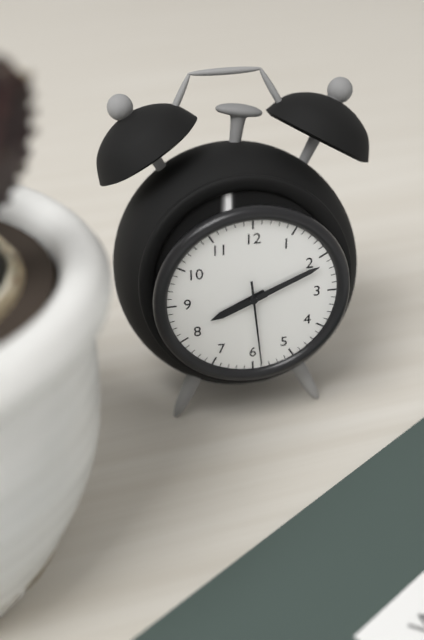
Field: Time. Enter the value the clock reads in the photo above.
8:11:29
